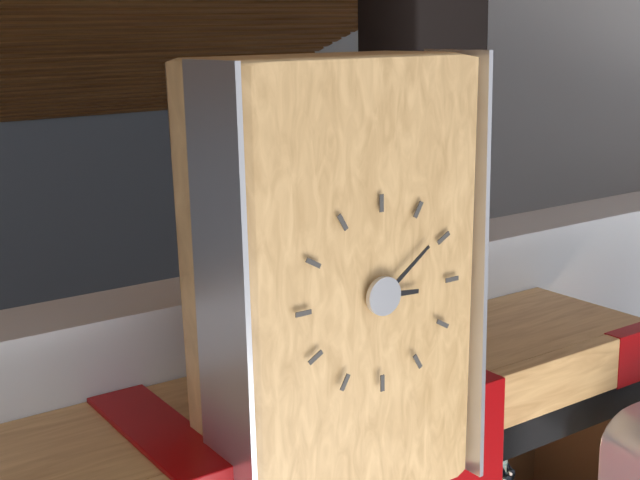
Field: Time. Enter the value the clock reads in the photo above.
3:09
